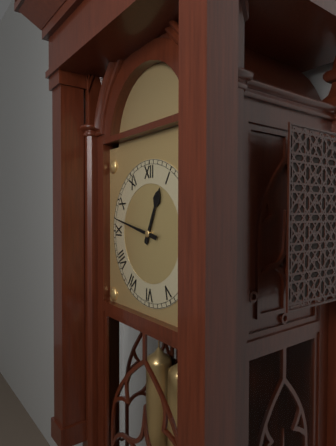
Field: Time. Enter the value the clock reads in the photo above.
12:47
